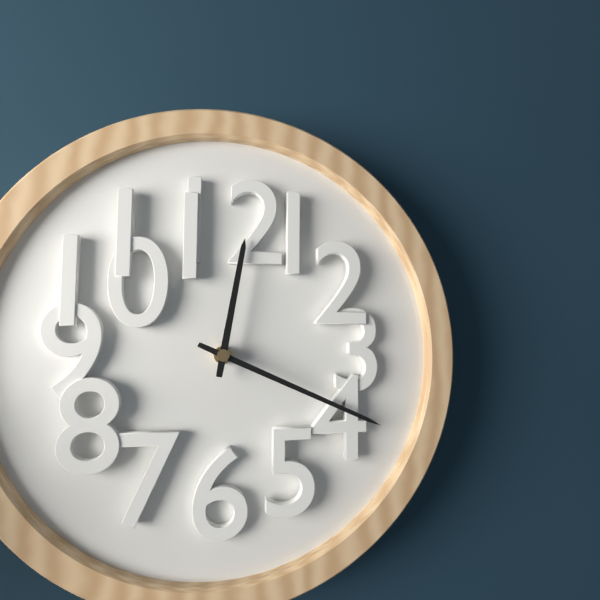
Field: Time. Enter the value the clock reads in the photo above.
12:19
